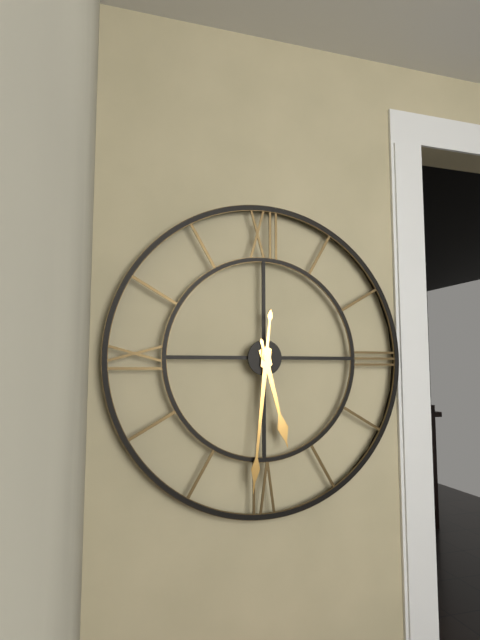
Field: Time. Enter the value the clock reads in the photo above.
5:31
